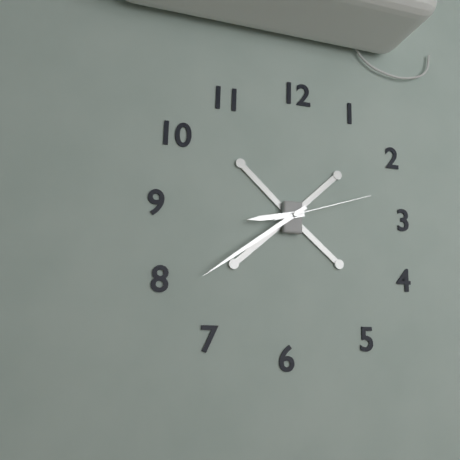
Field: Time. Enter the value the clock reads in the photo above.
8:39:12
